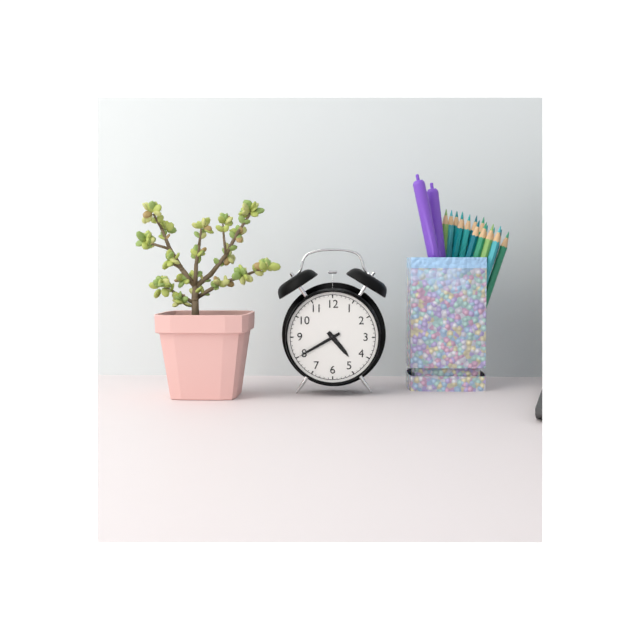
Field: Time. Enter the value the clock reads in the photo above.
4:40
